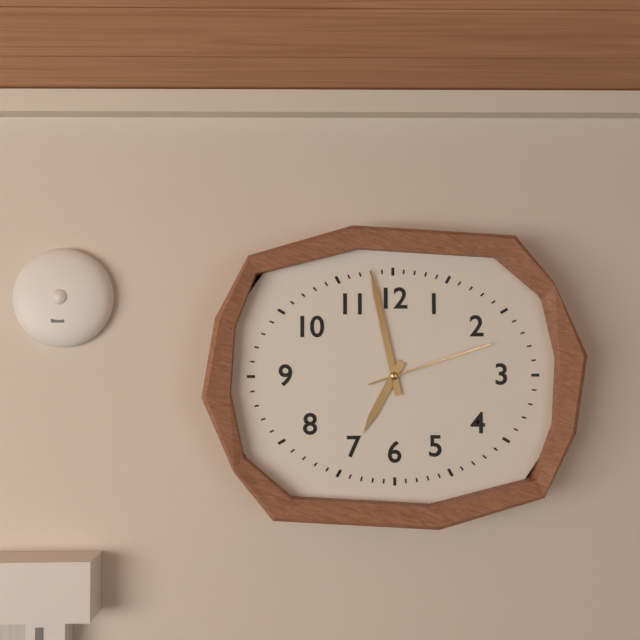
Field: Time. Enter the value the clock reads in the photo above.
6:58:12
